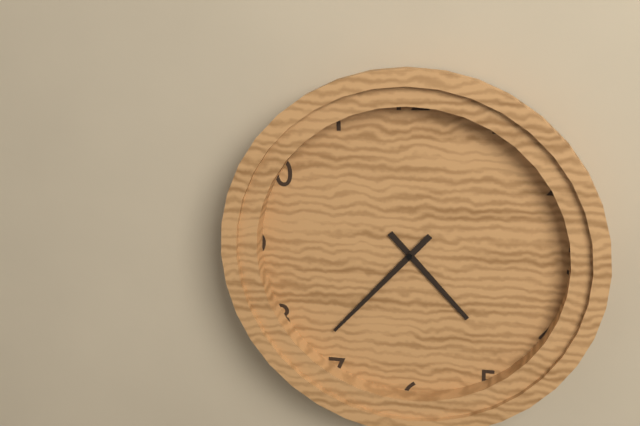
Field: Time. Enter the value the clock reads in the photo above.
4:37
